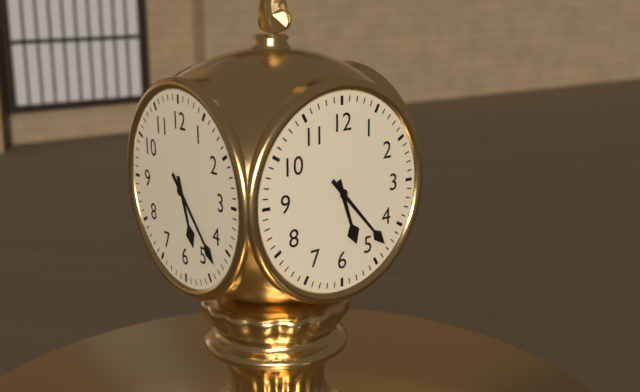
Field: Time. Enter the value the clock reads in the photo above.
5:23
